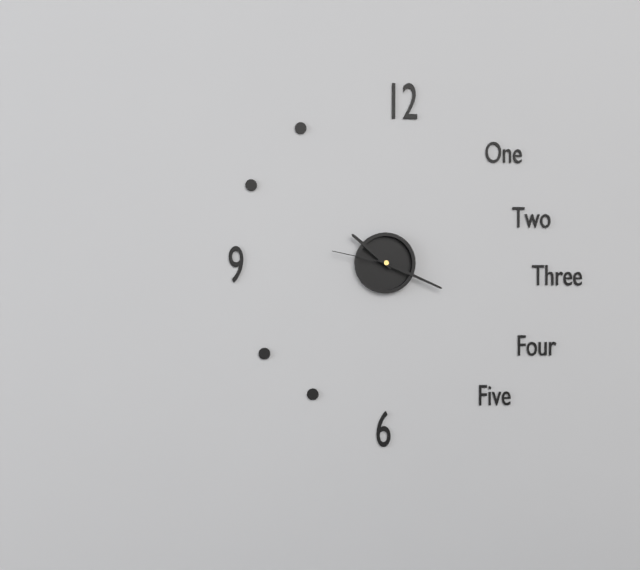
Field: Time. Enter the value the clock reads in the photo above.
10:19:47
